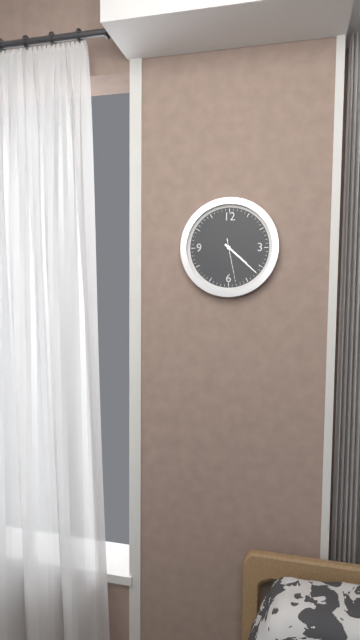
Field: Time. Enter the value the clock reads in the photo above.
4:22
